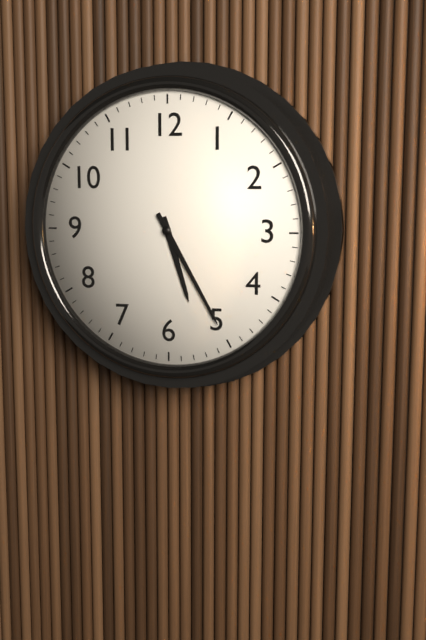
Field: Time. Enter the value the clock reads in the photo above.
5:25
